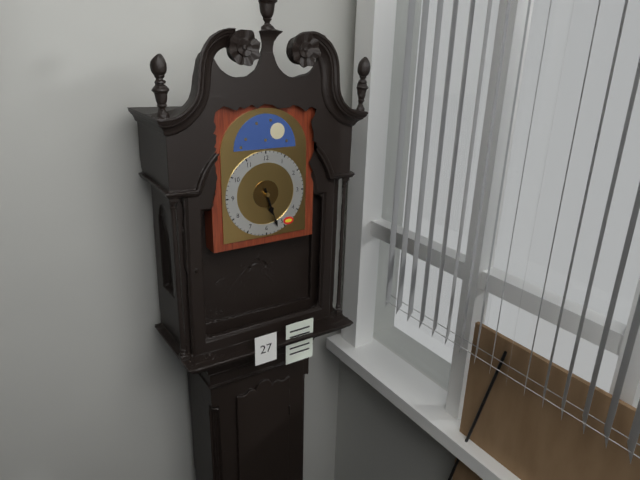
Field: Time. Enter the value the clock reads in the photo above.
5:27
